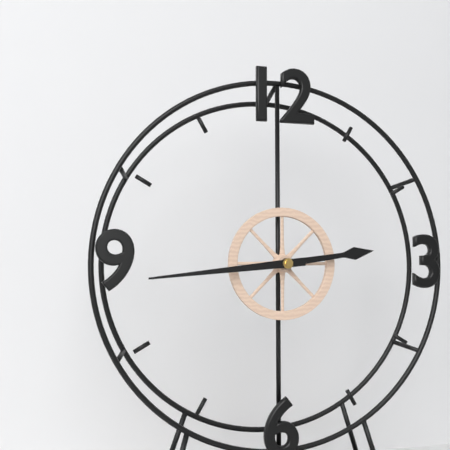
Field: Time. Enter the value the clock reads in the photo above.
2:44
